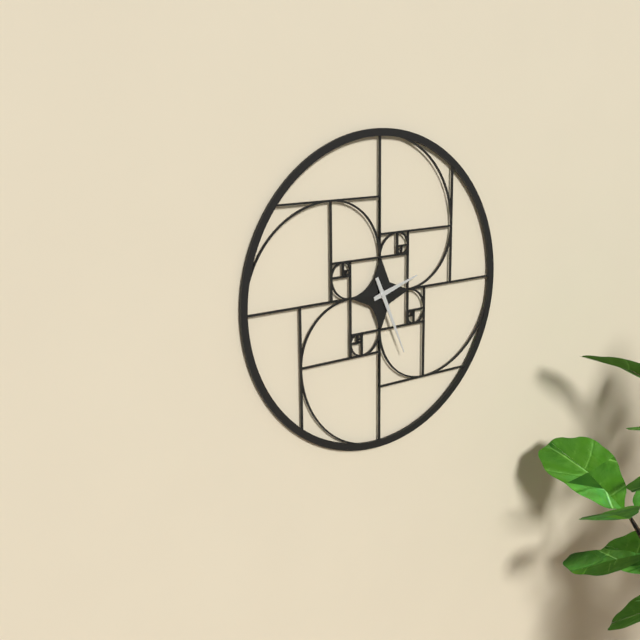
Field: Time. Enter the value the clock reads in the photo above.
2:26
